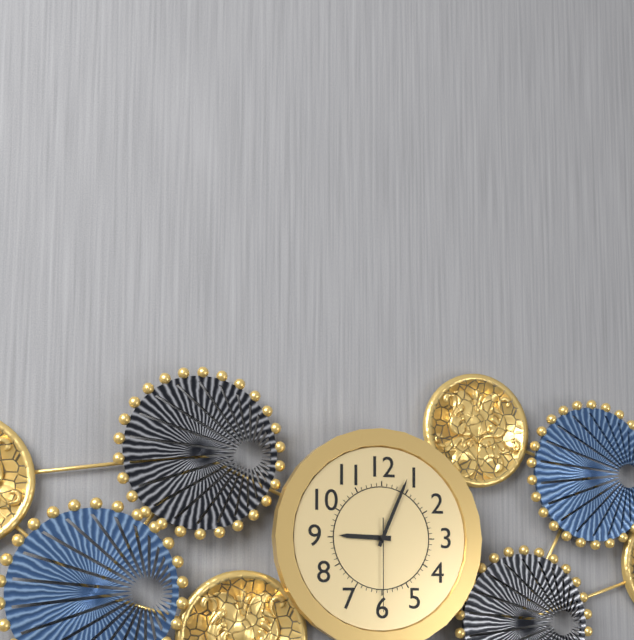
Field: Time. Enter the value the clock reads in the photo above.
9:04:30
